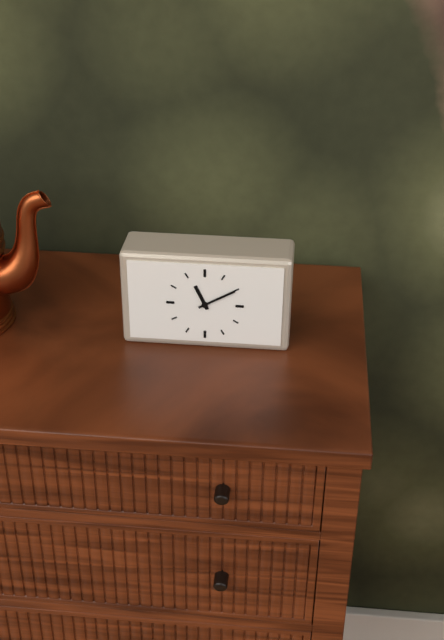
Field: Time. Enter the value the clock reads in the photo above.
11:10
